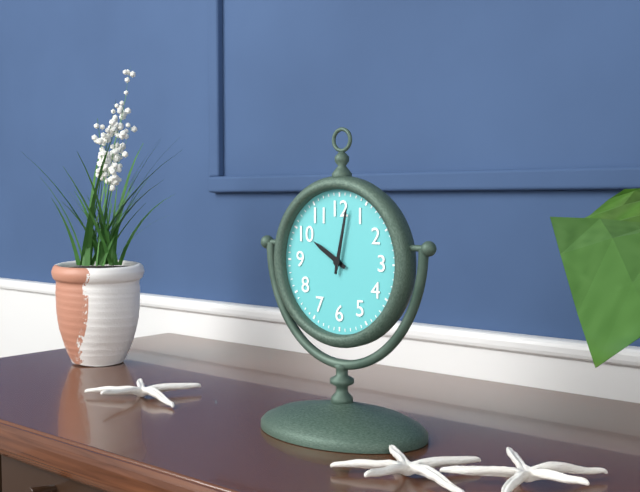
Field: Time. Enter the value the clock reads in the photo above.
10:02
